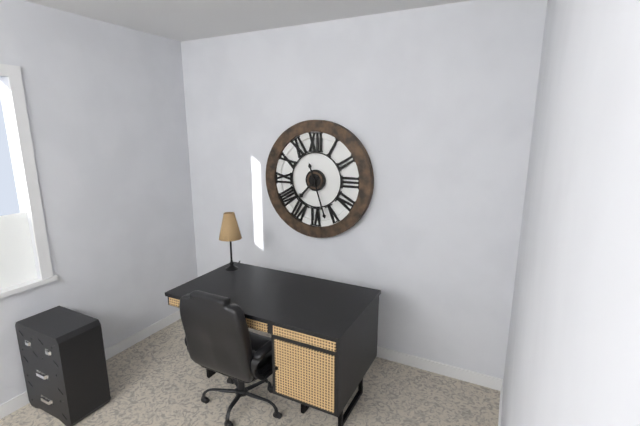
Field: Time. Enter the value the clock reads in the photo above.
7:27
